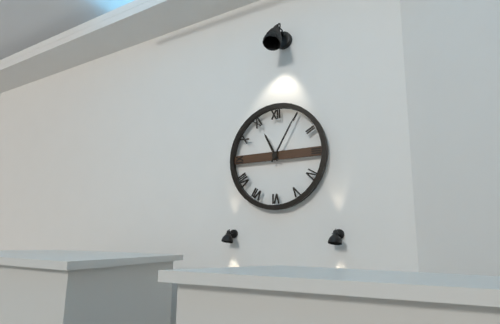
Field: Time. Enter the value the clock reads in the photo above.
11:05
